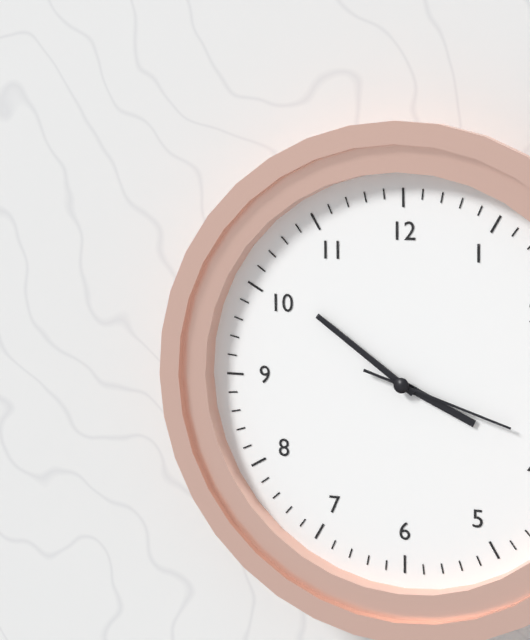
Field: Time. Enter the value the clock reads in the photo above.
3:51:18
